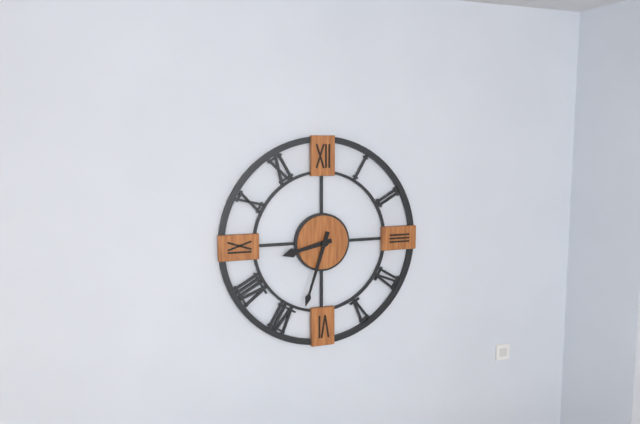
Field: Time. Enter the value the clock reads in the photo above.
8:33
